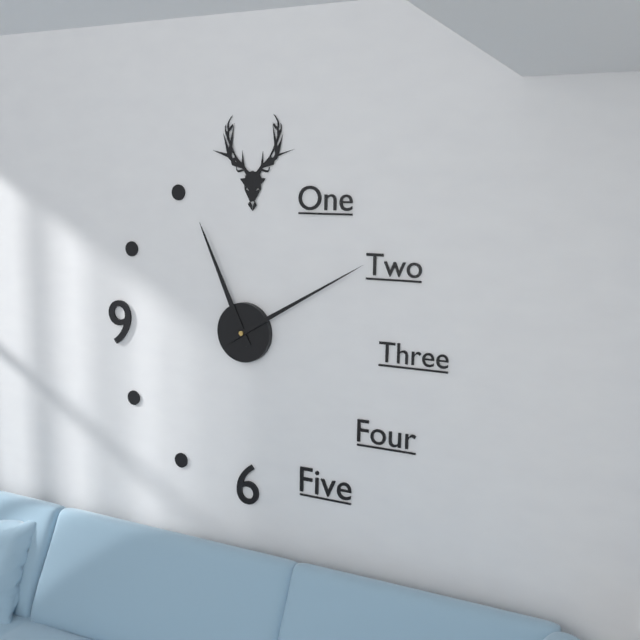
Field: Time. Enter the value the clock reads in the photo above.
11:10
